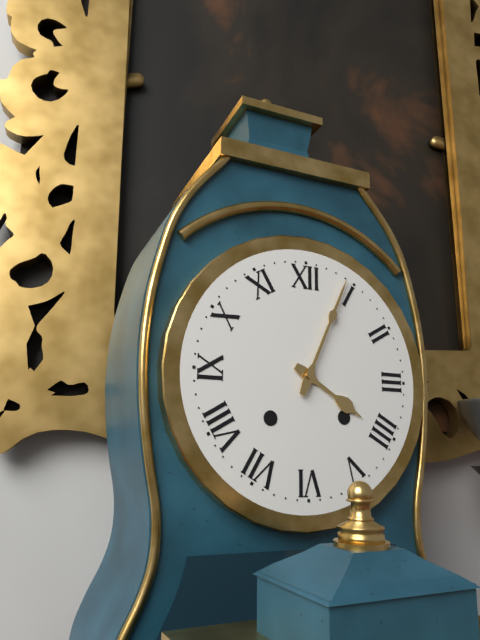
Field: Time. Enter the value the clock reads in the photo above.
4:04
